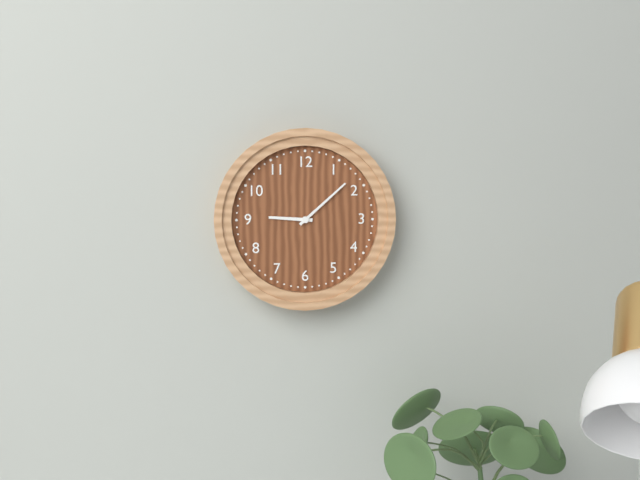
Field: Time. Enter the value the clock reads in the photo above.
9:08
